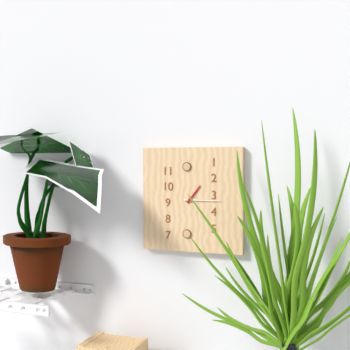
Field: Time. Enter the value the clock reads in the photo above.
1:15
